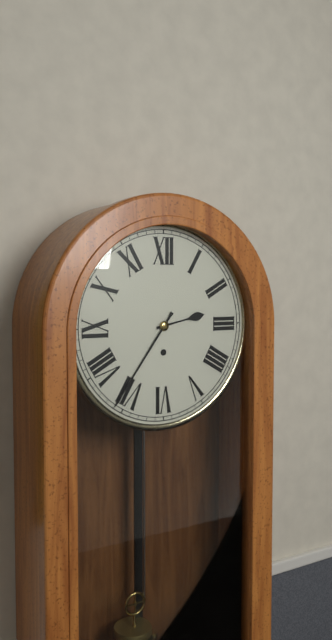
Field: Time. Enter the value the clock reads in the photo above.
2:36
